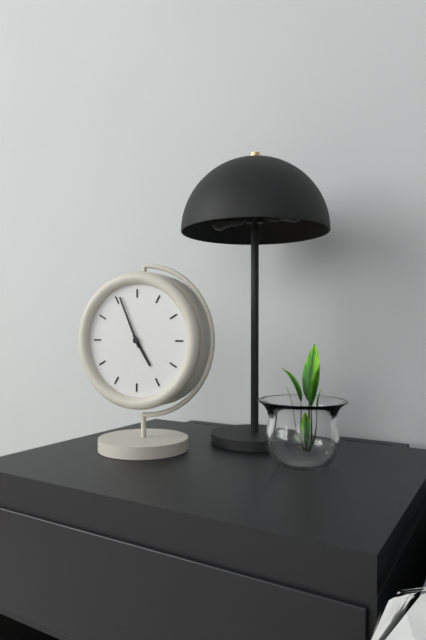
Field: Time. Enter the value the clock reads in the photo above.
4:56
